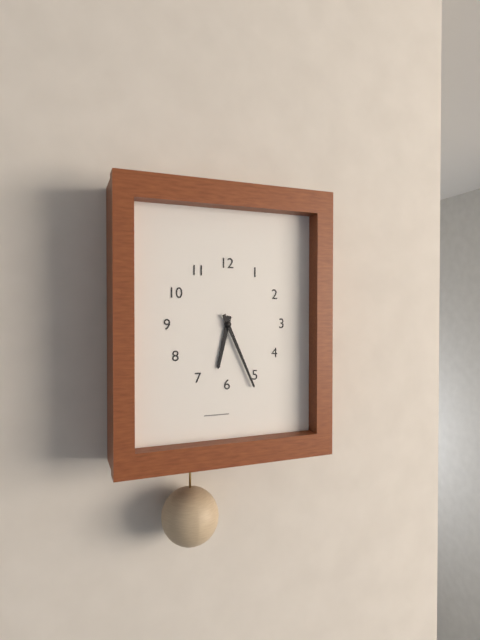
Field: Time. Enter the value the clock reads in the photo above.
6:26
